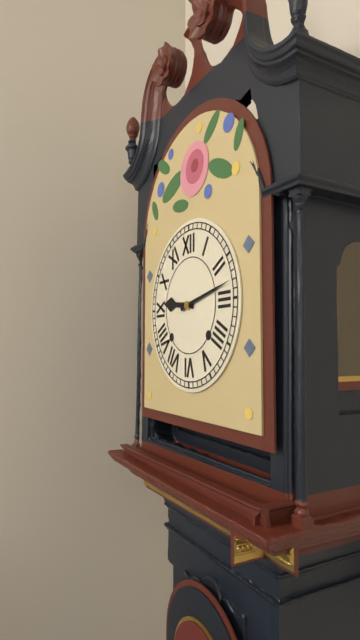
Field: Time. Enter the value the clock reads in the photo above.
9:13
